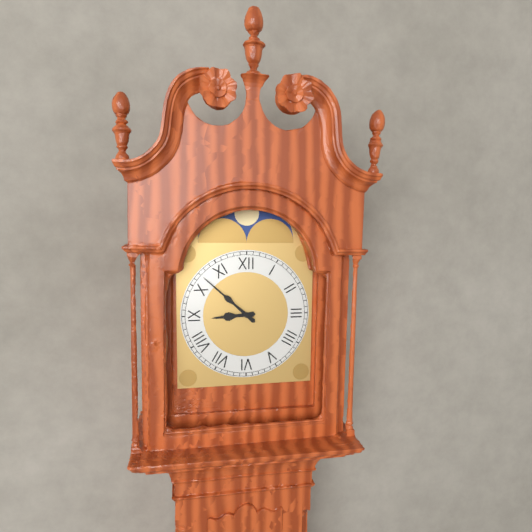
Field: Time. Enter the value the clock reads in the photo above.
8:52
